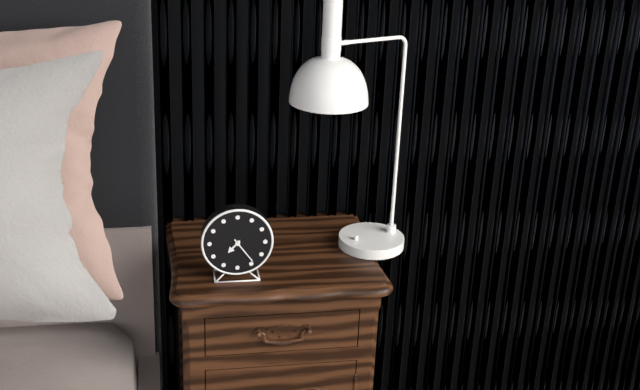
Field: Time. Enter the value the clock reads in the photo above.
7:24
